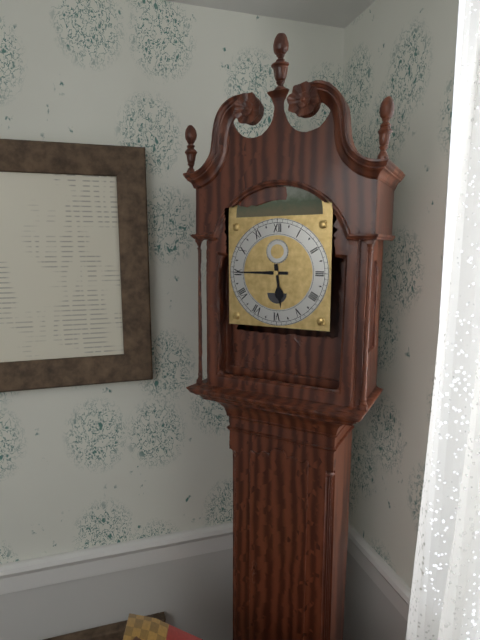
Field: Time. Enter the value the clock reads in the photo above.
5:45
